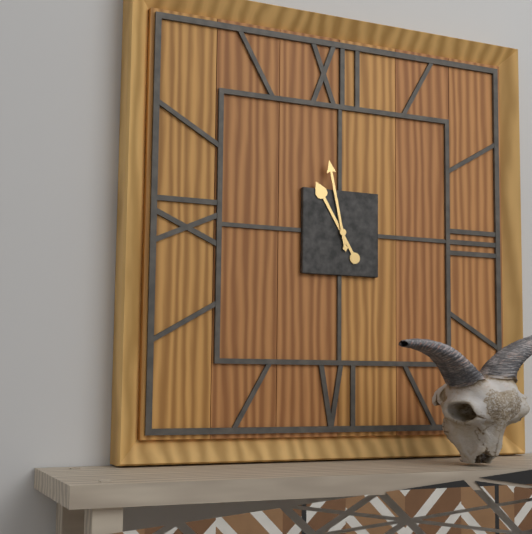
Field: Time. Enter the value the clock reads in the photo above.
10:58
